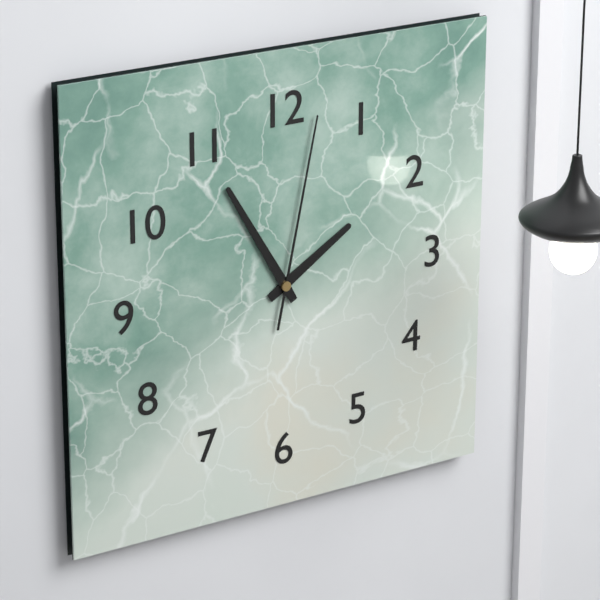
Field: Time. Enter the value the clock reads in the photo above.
1:55:02
